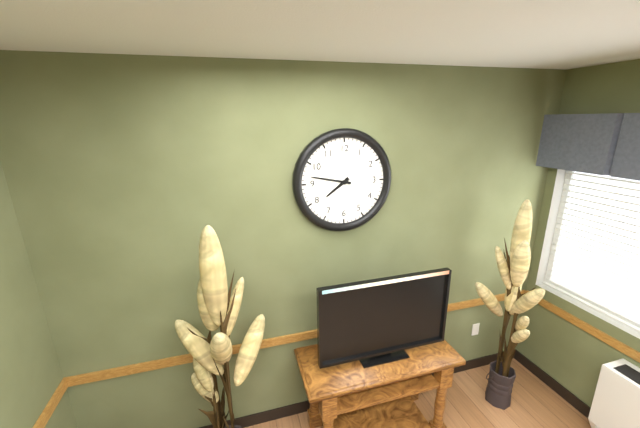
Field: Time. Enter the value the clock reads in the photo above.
7:47
